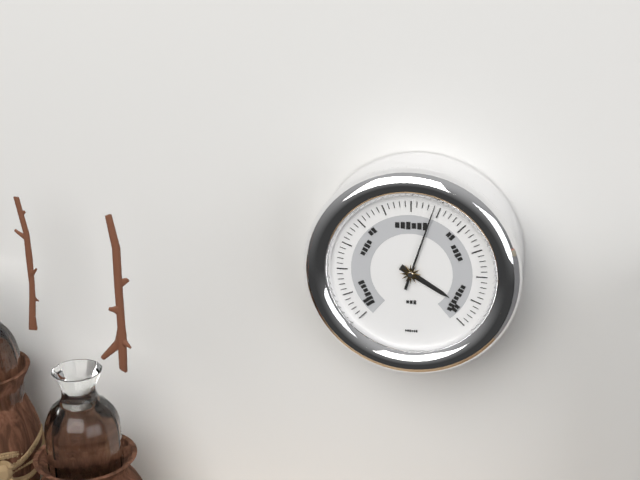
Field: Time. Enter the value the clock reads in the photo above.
4:03
